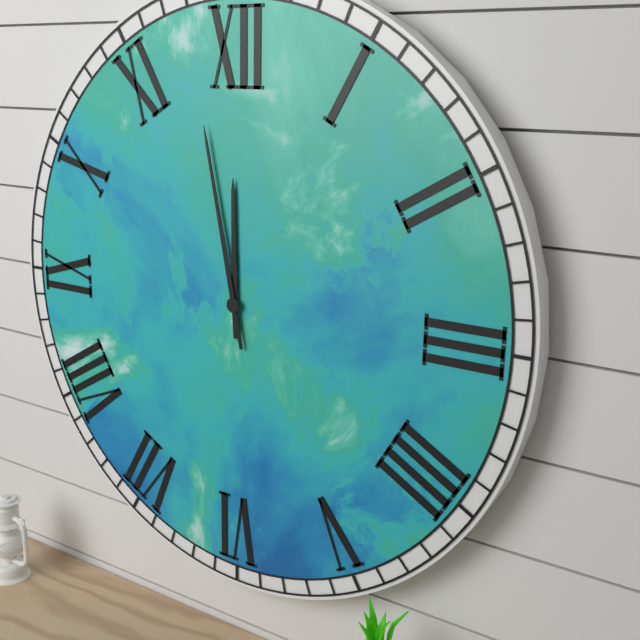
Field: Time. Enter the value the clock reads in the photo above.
11:58
